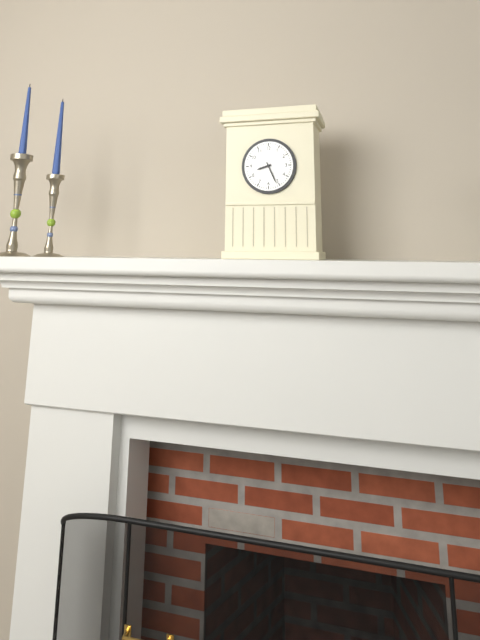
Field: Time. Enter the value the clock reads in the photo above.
8:26
